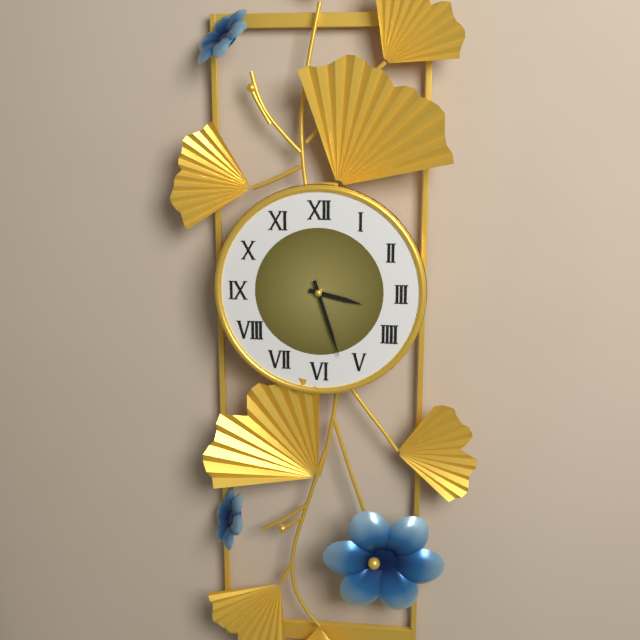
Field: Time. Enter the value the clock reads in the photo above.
3:27
